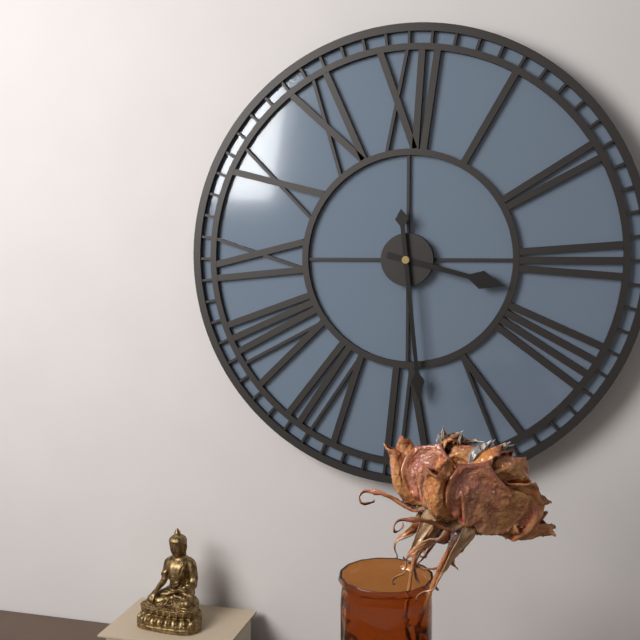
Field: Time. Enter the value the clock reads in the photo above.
3:29
